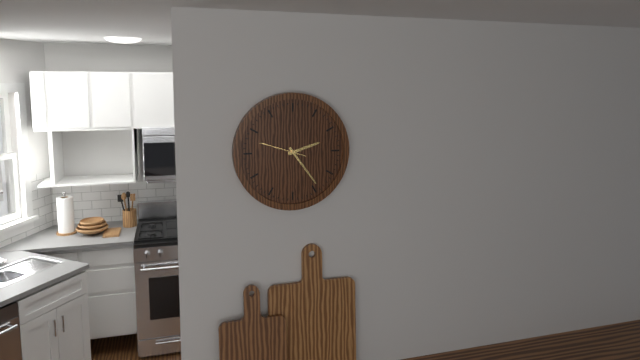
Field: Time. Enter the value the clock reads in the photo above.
2:24
